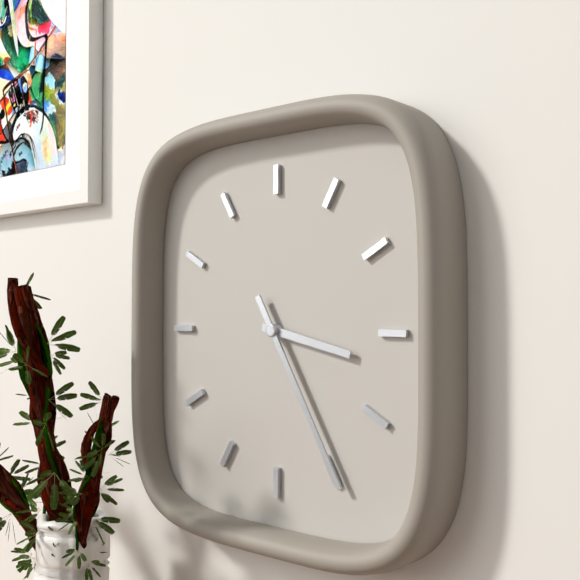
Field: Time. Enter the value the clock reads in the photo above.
3:25
